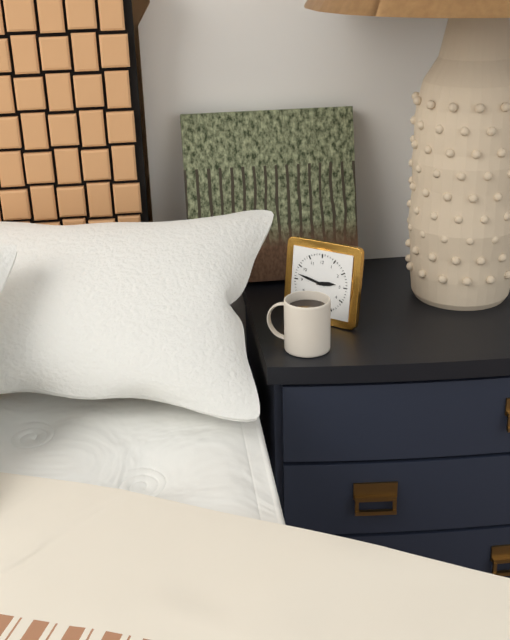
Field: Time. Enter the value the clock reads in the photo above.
2:47
